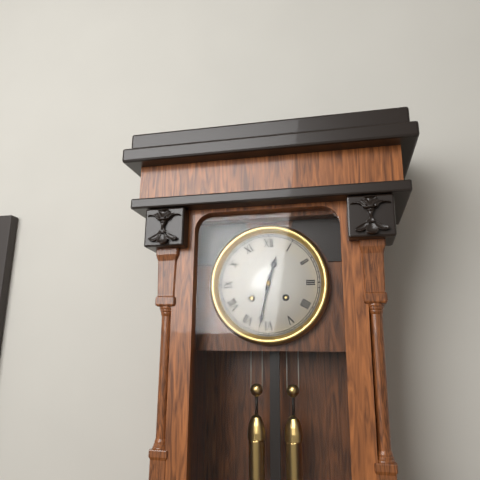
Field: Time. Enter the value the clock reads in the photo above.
12:32
